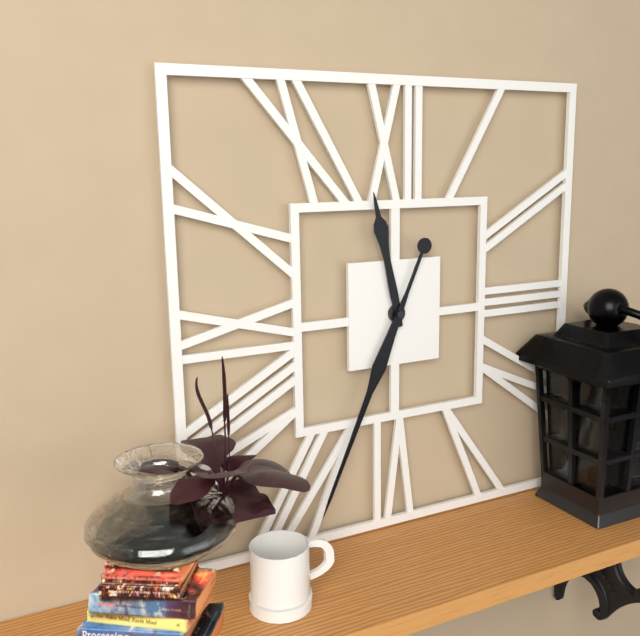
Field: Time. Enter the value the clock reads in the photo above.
11:34
